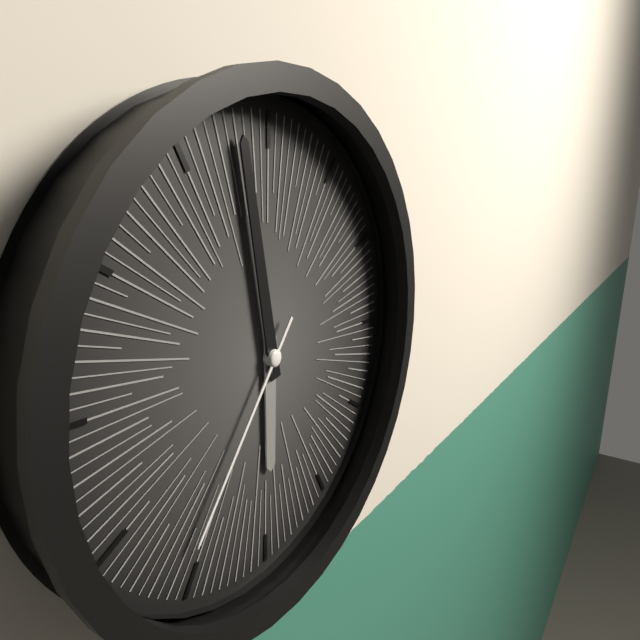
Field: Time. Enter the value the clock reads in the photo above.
5:58:36
